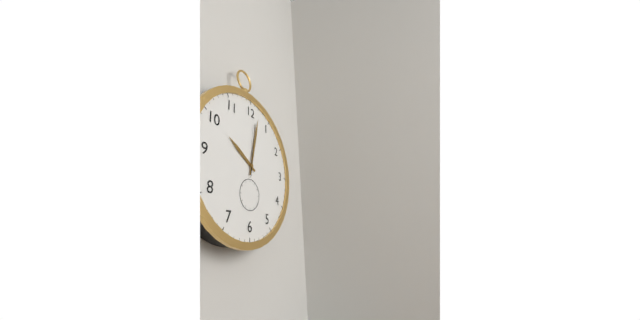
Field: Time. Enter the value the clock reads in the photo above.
10:02:01
